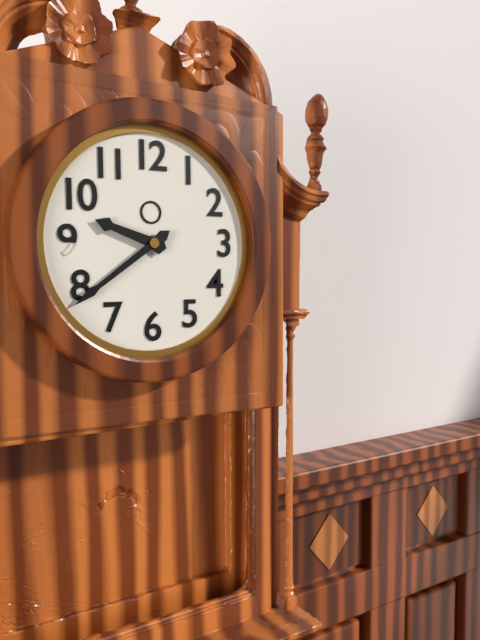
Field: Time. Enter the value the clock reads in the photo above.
9:39
